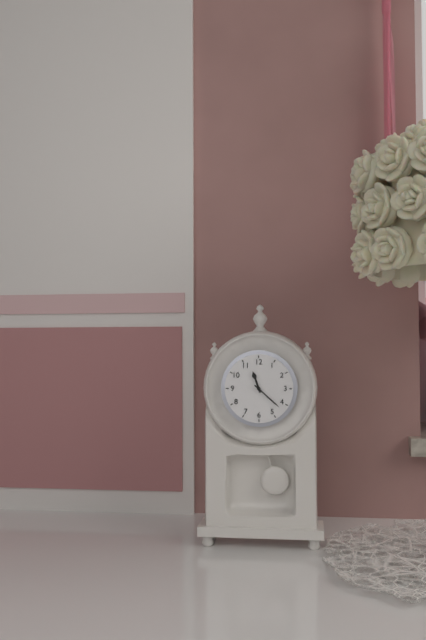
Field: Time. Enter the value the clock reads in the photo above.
11:22
